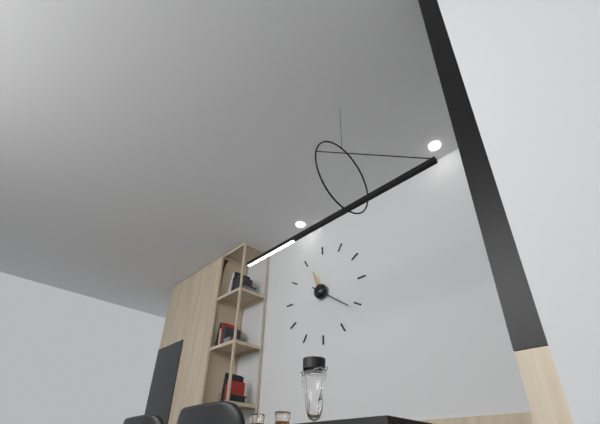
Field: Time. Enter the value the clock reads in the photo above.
11:21
